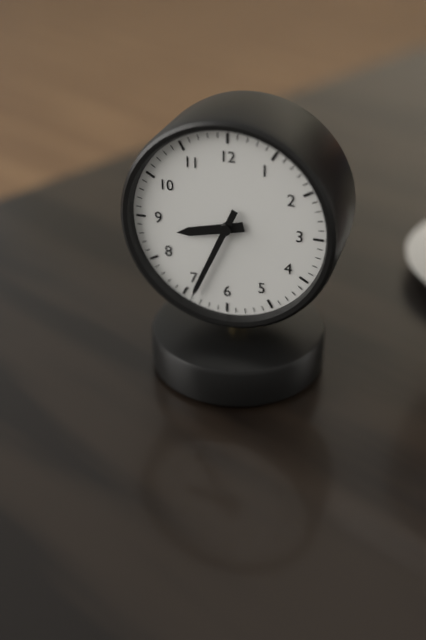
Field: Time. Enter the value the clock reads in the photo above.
8:34
